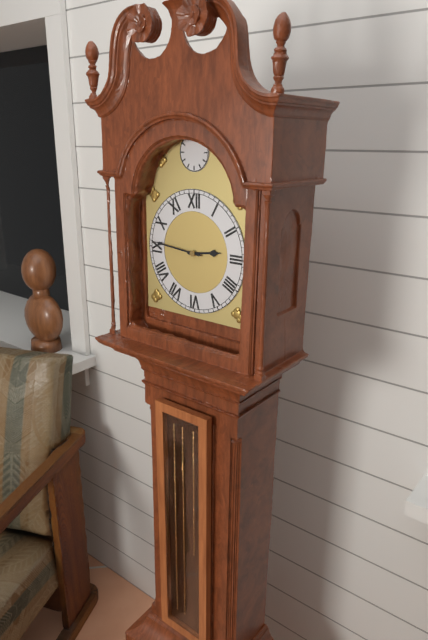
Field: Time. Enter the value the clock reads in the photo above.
2:46
